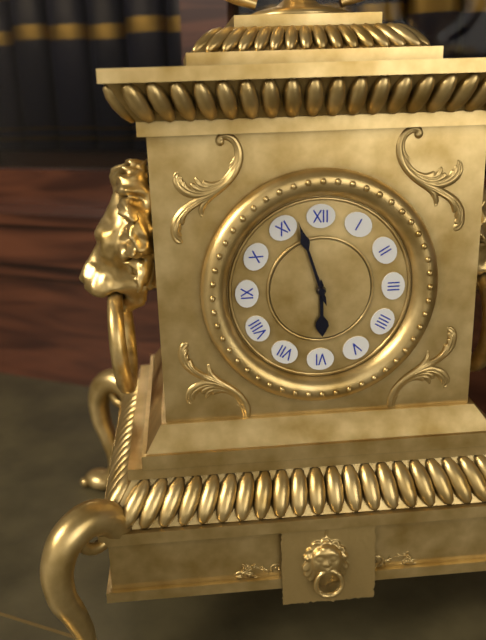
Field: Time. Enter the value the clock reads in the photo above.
5:57
